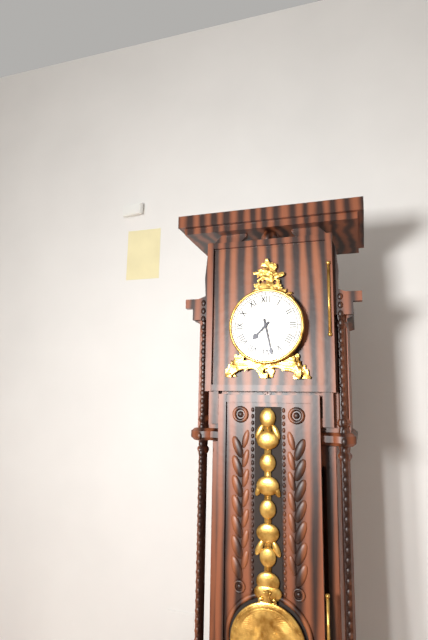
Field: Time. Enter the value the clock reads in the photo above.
7:28
